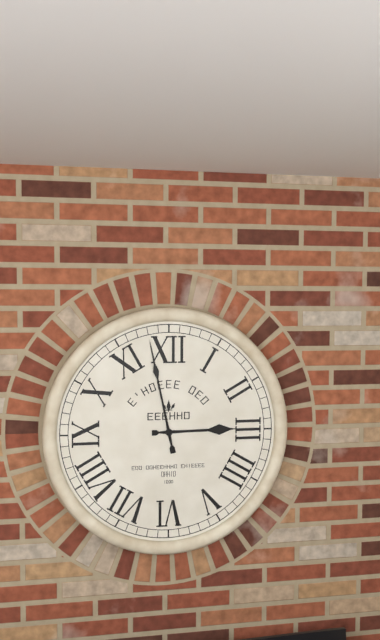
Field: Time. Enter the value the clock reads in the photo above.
2:58
